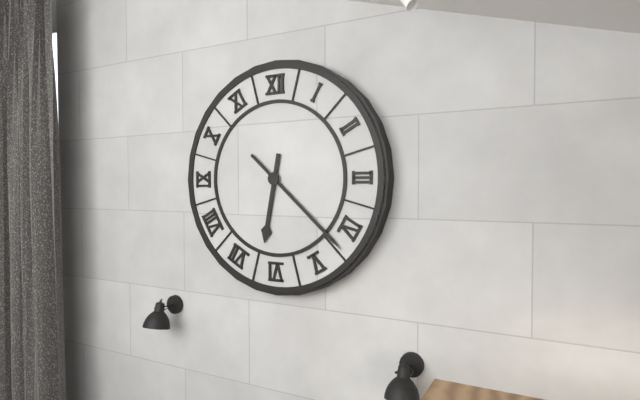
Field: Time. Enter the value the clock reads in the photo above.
6:22
